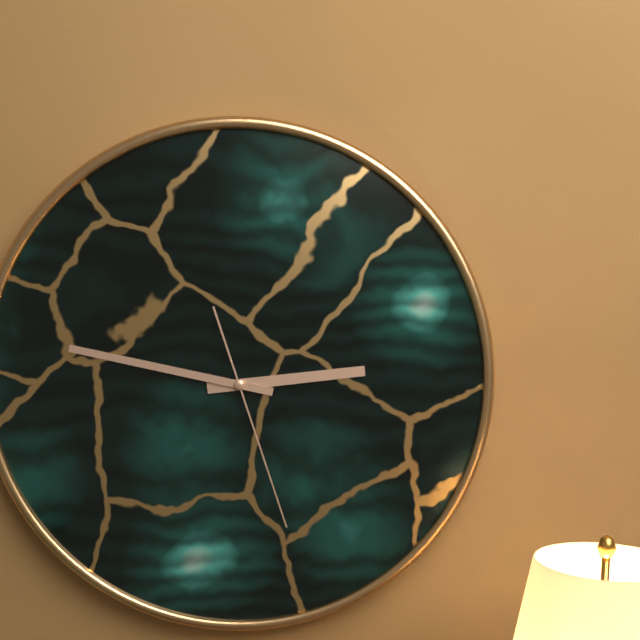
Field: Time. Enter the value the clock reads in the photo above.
2:47:27
